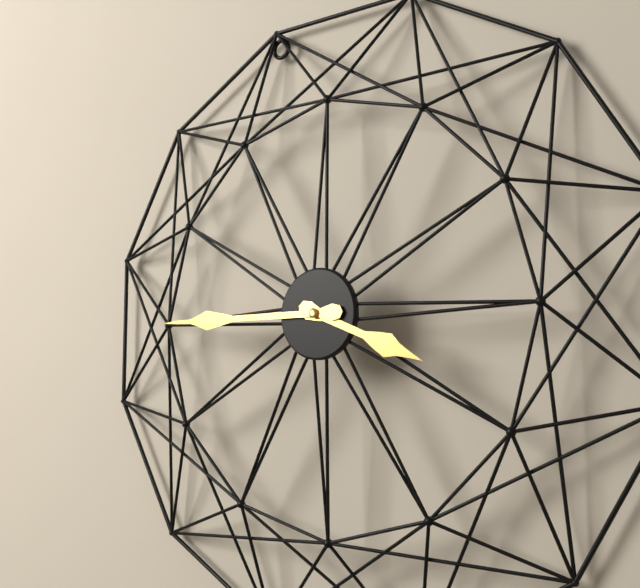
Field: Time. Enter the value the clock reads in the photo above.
3:45
